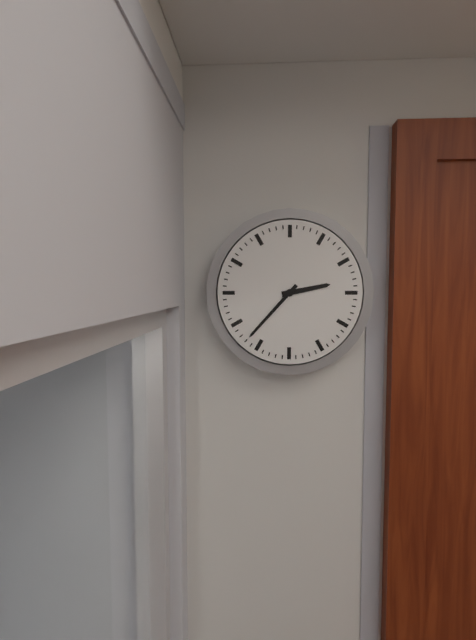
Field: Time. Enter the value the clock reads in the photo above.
2:37
